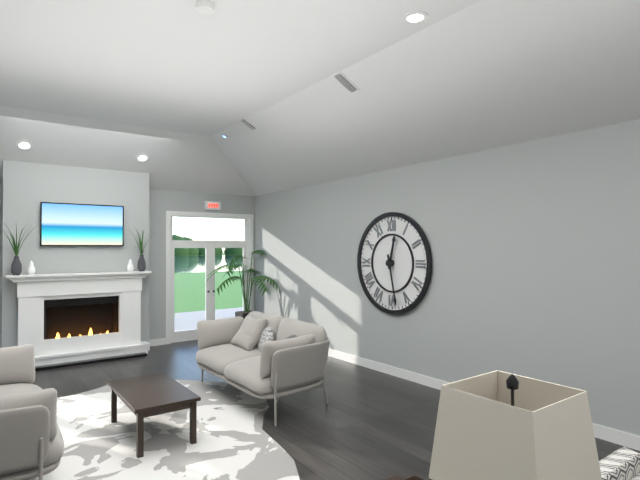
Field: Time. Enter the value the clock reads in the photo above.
12:28
